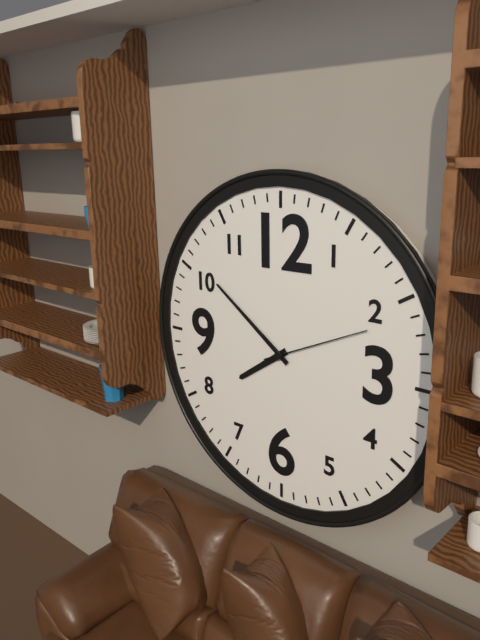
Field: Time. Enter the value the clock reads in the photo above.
7:51:11
